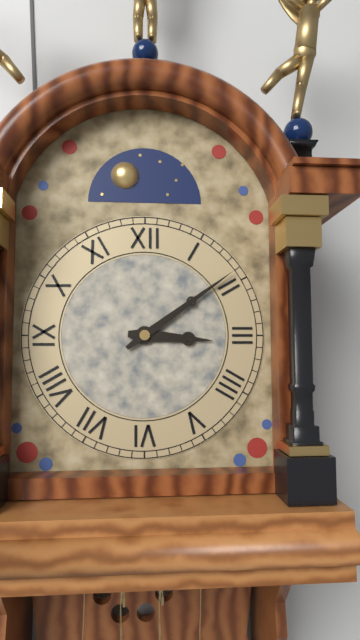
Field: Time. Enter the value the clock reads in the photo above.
3:09
